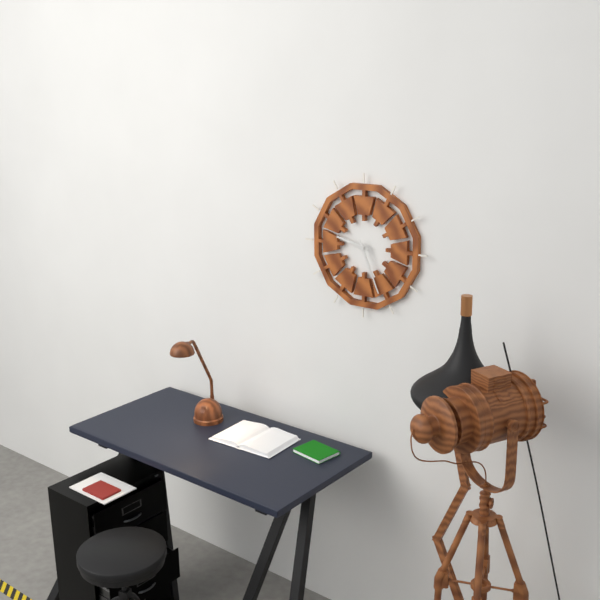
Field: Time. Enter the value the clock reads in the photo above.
9:26
